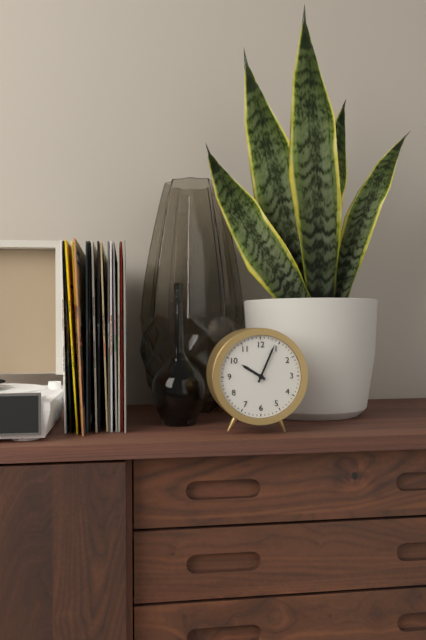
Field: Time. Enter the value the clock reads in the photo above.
10:04
